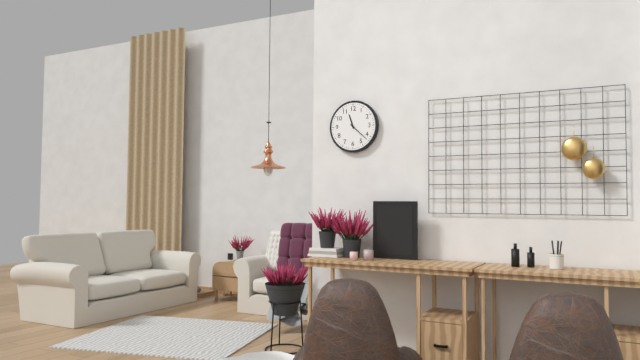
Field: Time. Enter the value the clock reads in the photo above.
11:22
